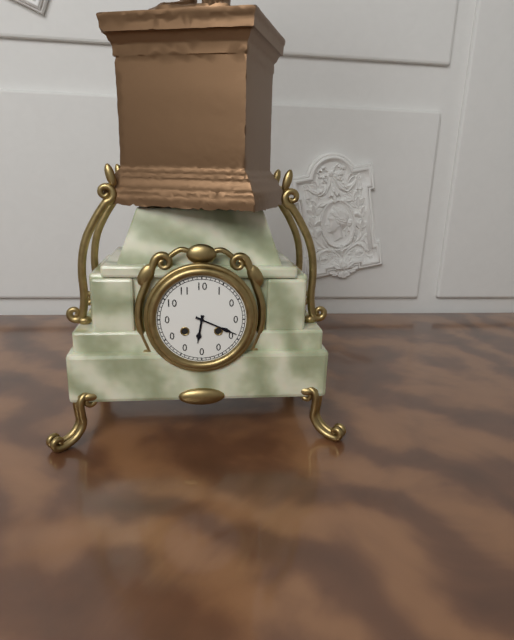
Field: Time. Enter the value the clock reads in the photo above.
6:19
